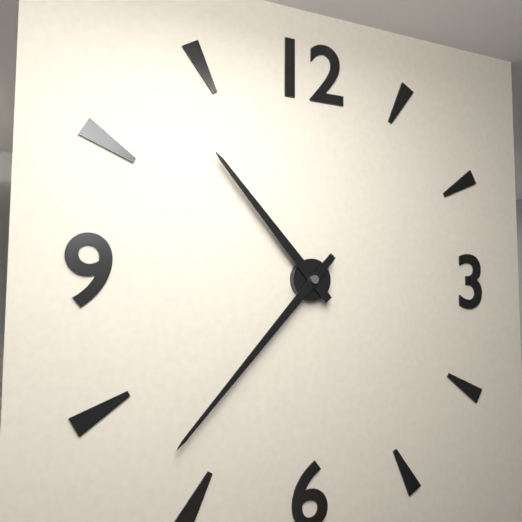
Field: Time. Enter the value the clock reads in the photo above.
10:37
